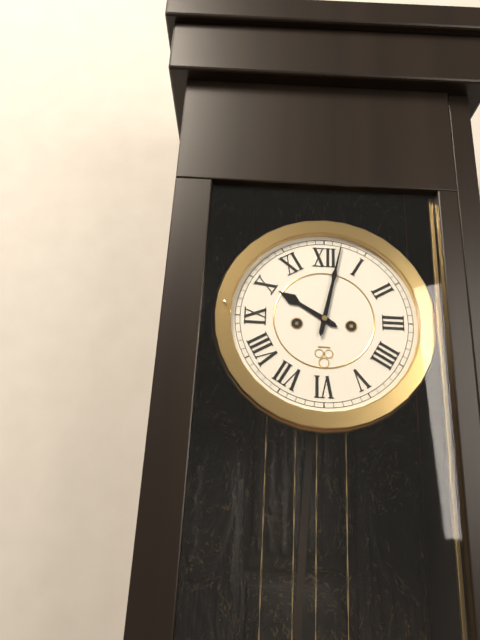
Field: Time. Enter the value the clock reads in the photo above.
10:02
